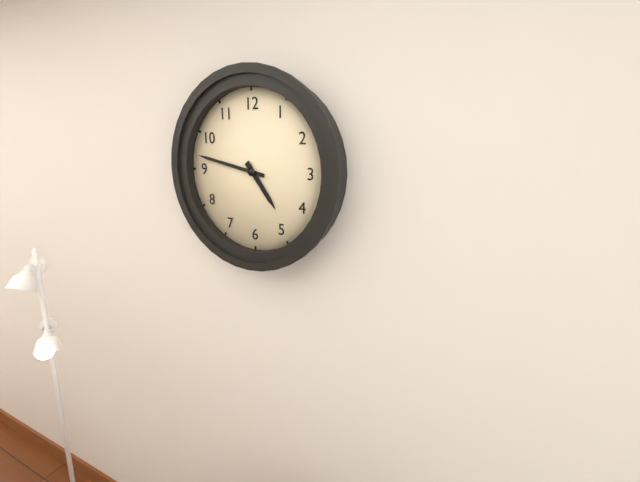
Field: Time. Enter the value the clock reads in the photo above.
4:47
